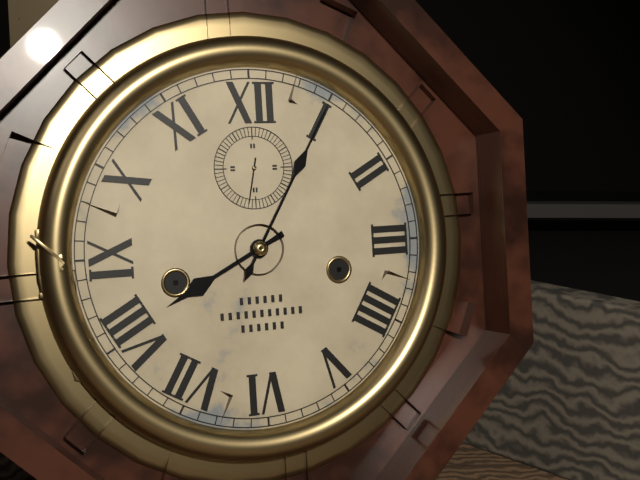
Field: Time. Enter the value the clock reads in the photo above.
8:05
